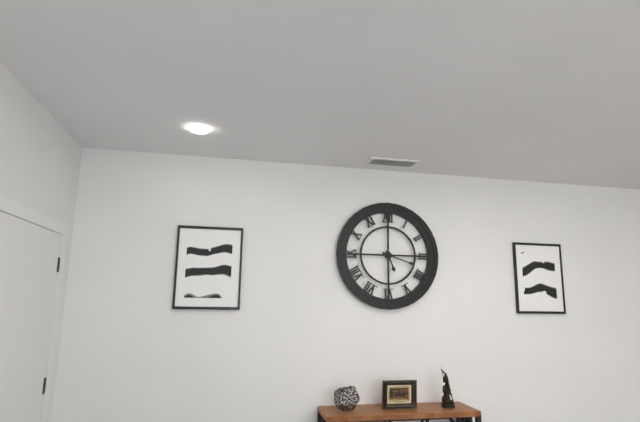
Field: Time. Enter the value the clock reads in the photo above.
5:18
